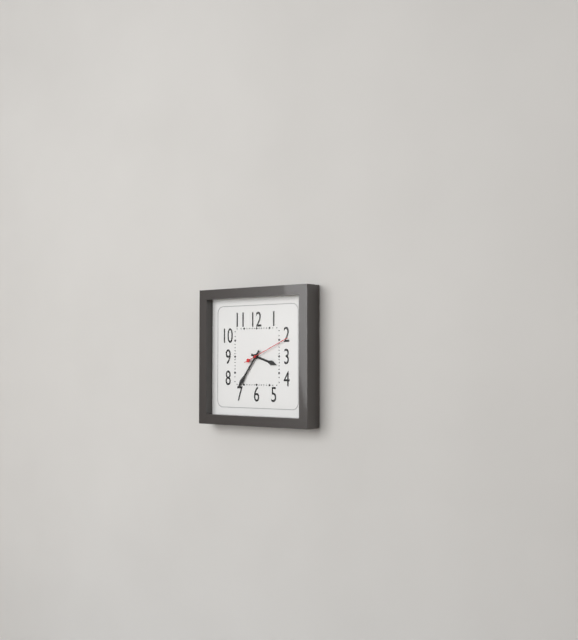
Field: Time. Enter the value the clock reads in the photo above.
3:36
